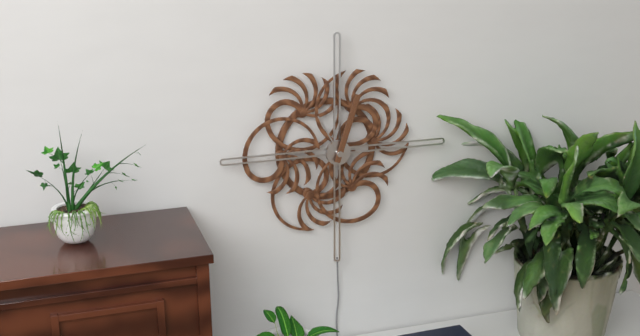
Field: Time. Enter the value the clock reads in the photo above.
11:03
